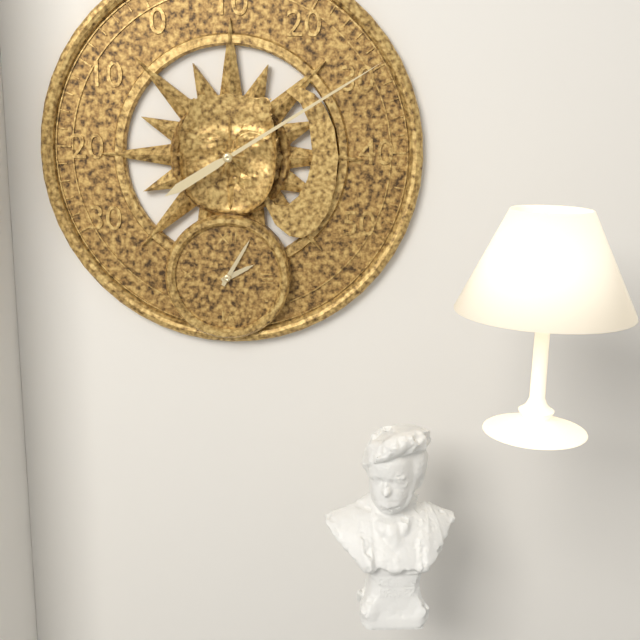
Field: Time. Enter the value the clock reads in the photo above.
2:05
